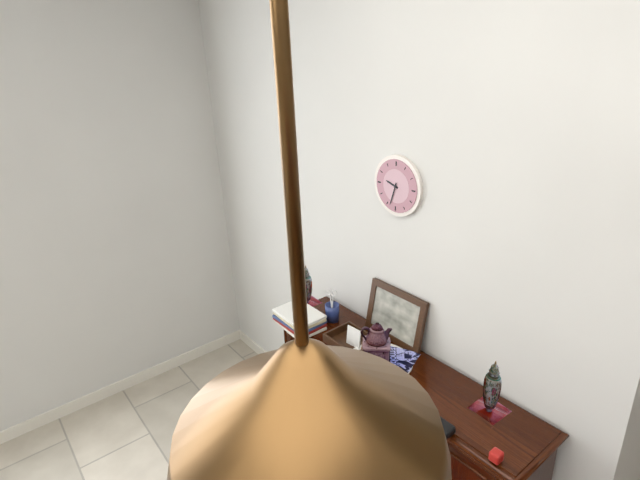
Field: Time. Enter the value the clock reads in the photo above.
9:33
